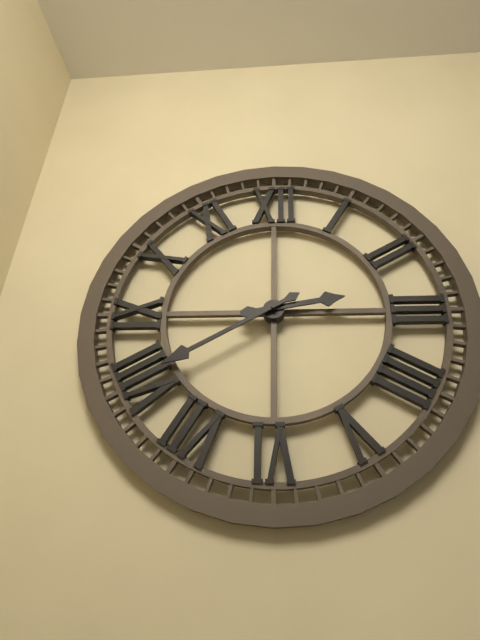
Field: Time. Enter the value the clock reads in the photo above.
2:40
